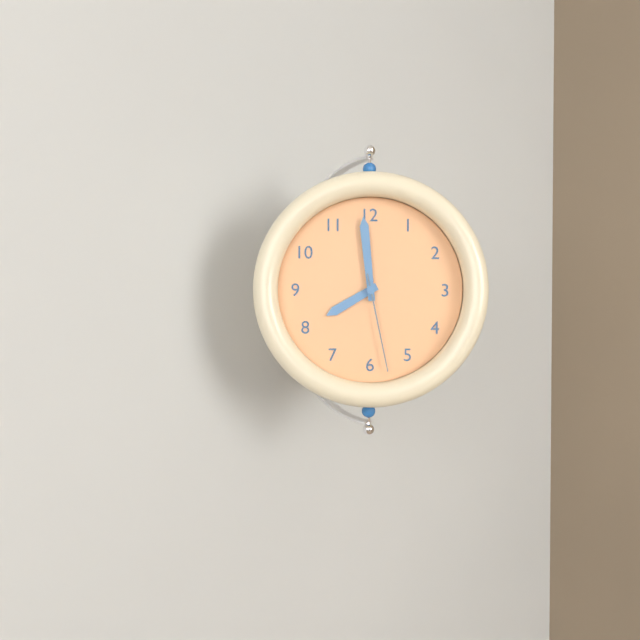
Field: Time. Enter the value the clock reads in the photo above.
7:59:28
